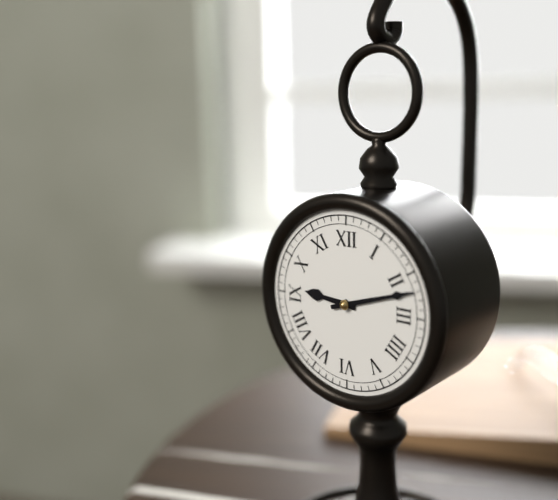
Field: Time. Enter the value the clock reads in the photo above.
9:12
